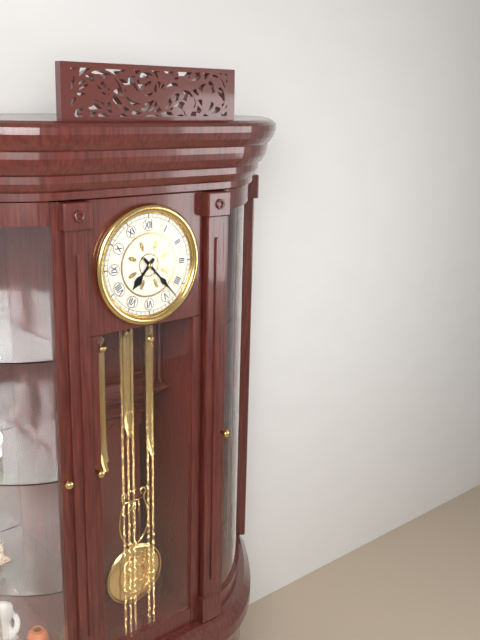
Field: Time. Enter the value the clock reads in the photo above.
7:23
